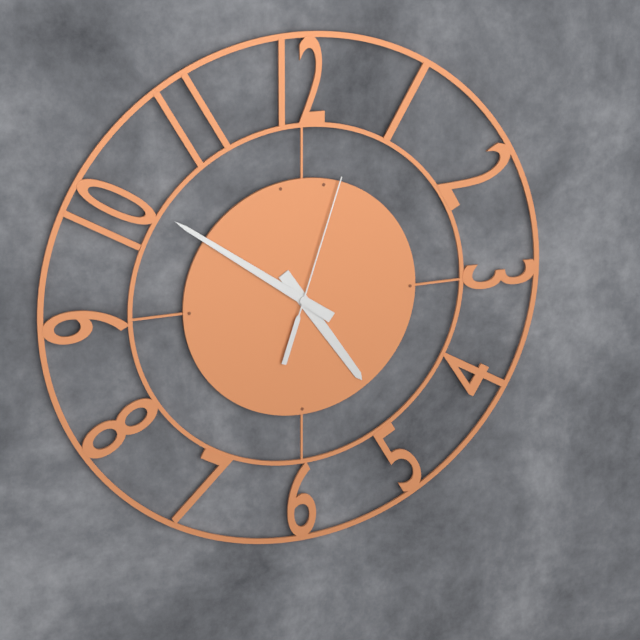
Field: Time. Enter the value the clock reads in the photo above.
4:51:03
